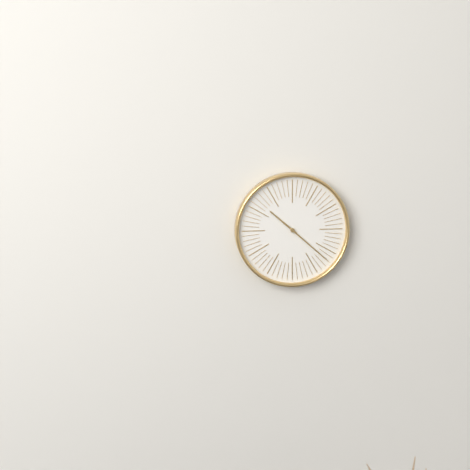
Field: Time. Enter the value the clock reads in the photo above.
10:22
